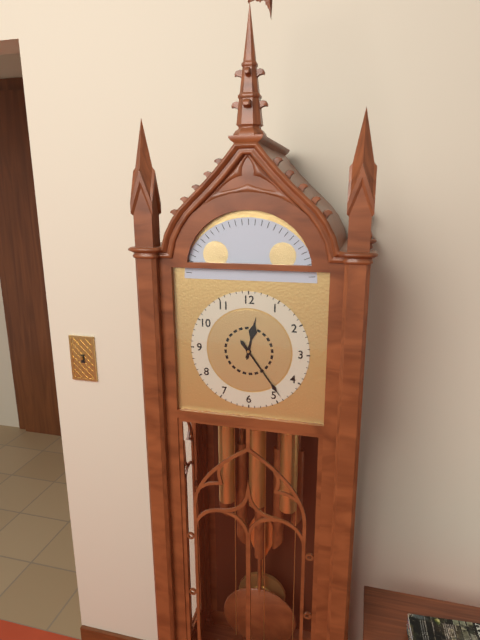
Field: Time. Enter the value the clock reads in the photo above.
12:24
